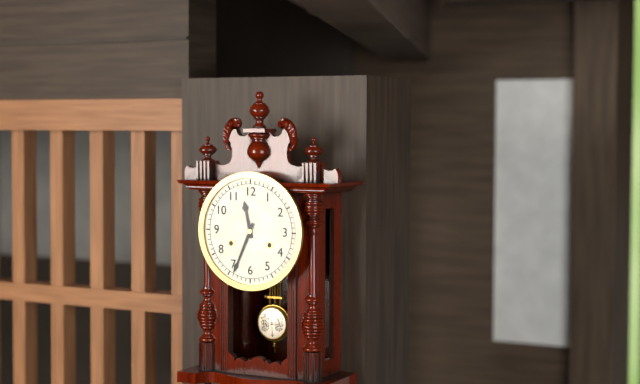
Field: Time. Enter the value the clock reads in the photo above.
11:34
